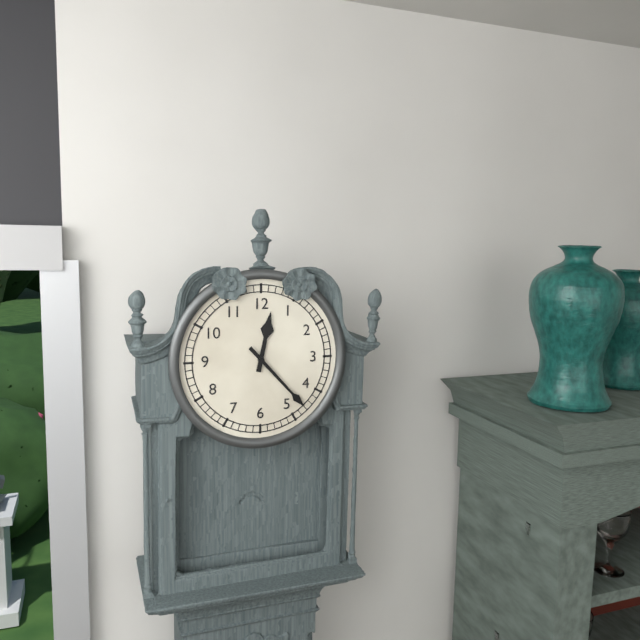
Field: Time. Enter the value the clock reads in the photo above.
12:23
